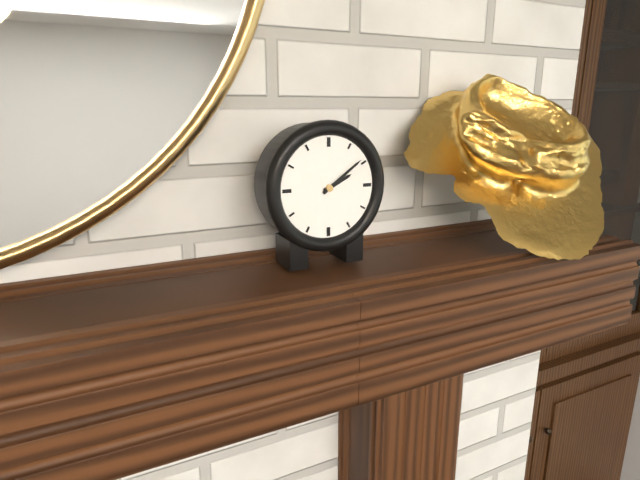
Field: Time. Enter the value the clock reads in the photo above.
2:09
